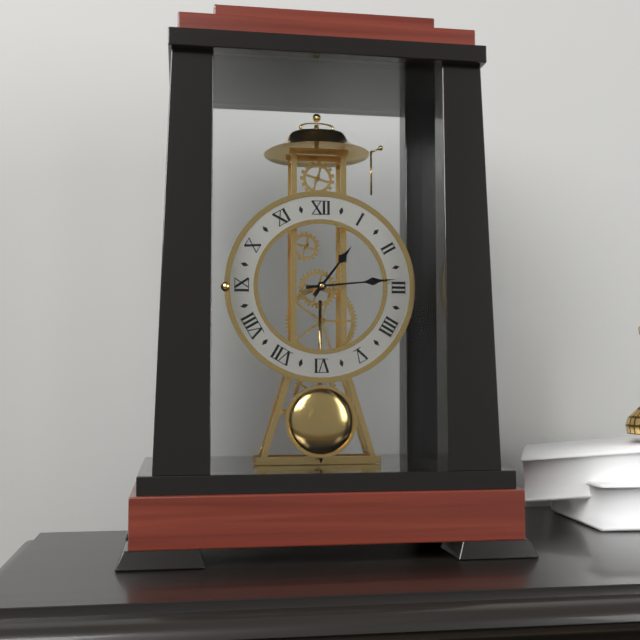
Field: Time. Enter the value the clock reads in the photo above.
1:14
